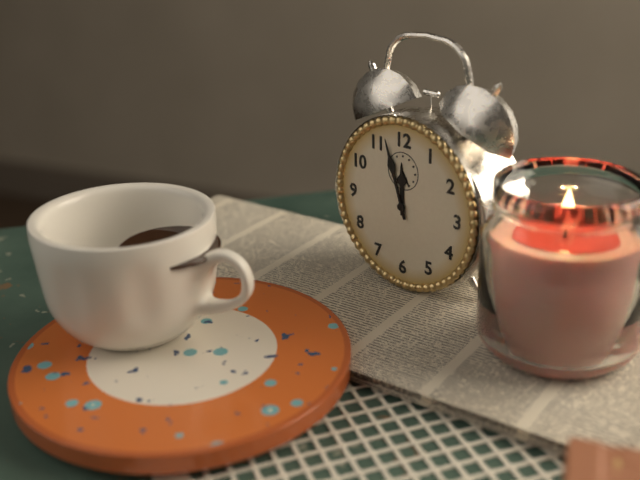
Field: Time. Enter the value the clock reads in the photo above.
11:57
